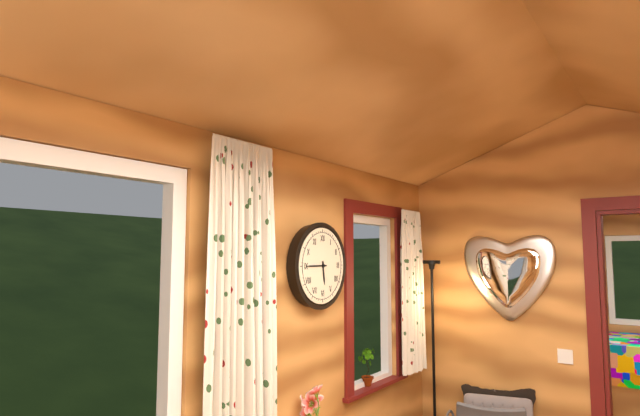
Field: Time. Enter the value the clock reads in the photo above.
5:45
